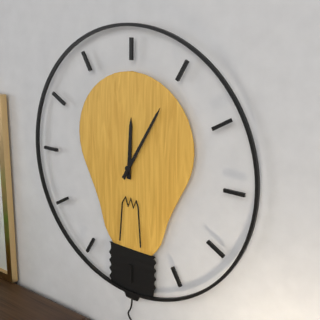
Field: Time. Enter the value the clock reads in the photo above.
12:05
